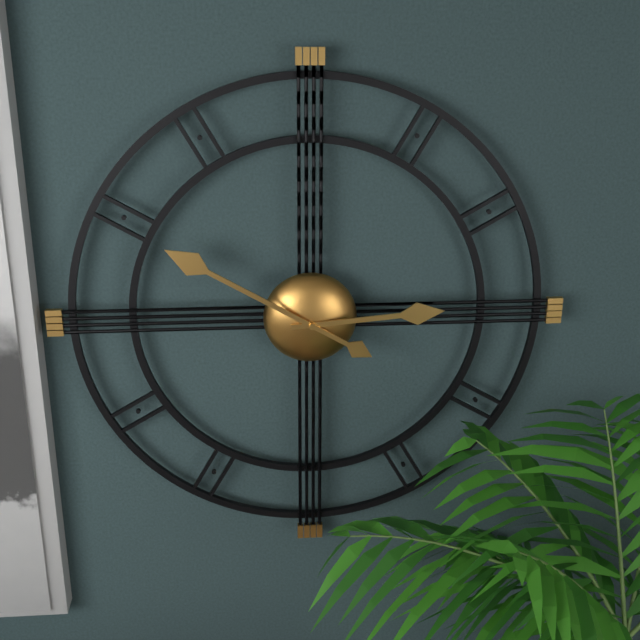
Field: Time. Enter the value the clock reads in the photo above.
2:50
